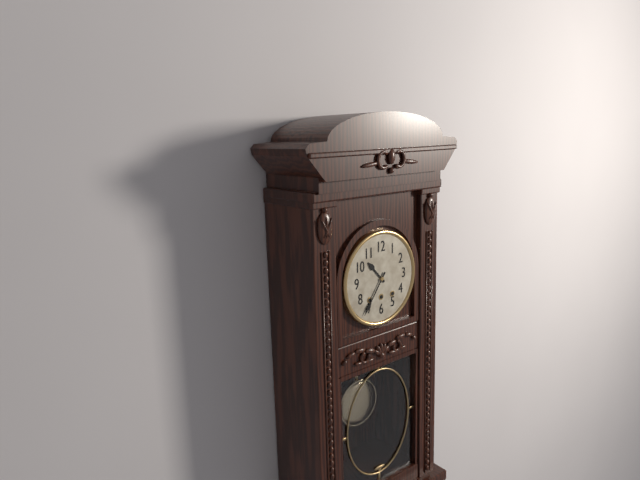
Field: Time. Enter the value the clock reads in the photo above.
10:36
